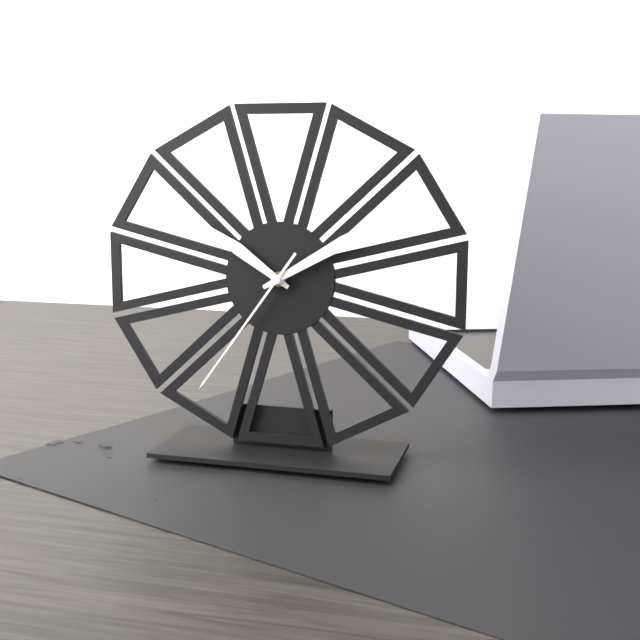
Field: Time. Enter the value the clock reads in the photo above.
10:10:36
